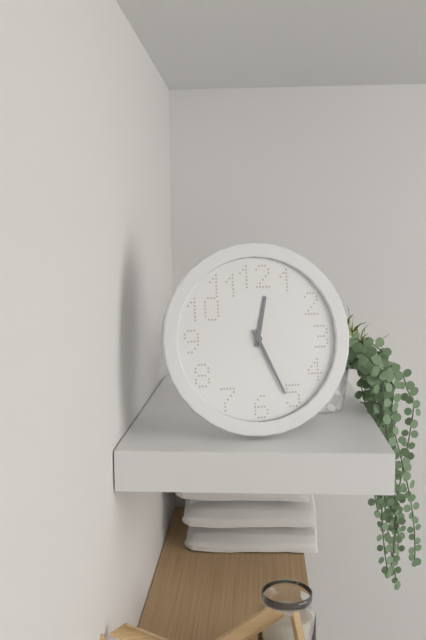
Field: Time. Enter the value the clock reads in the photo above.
12:26
